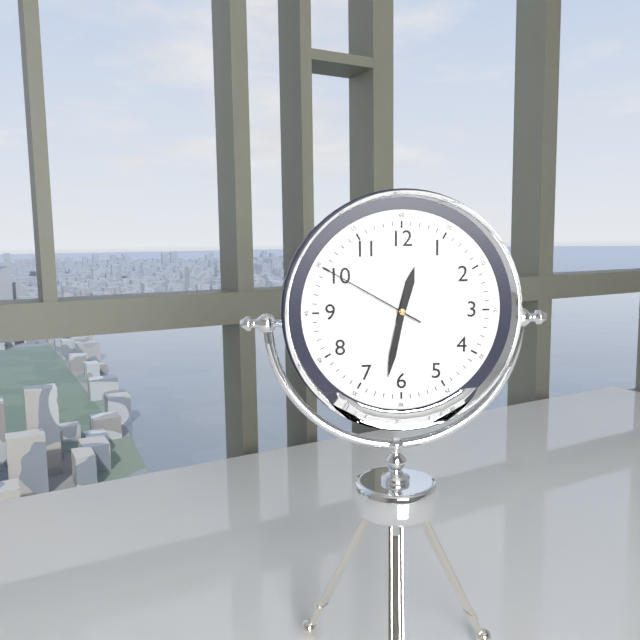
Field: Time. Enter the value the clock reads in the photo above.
12:32:50
